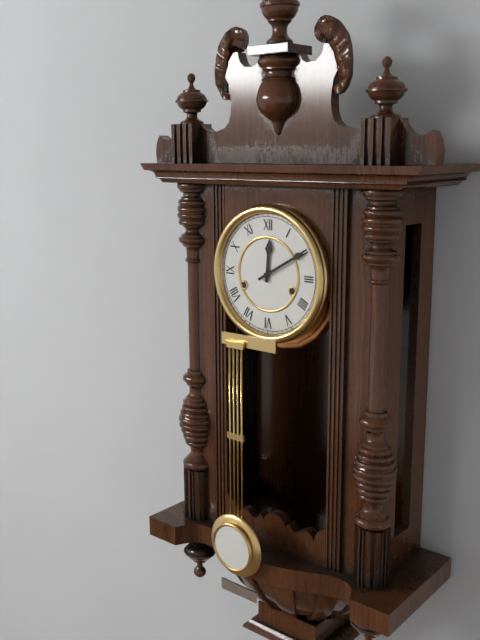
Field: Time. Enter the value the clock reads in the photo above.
12:10
